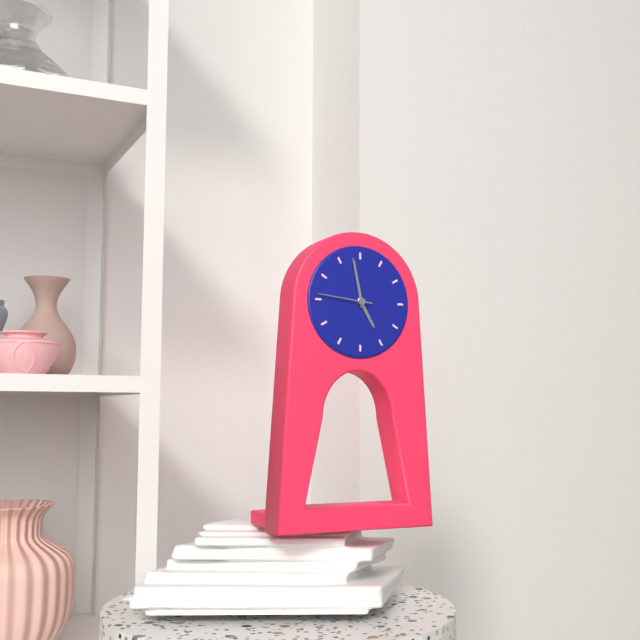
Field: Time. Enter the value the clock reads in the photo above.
4:58
